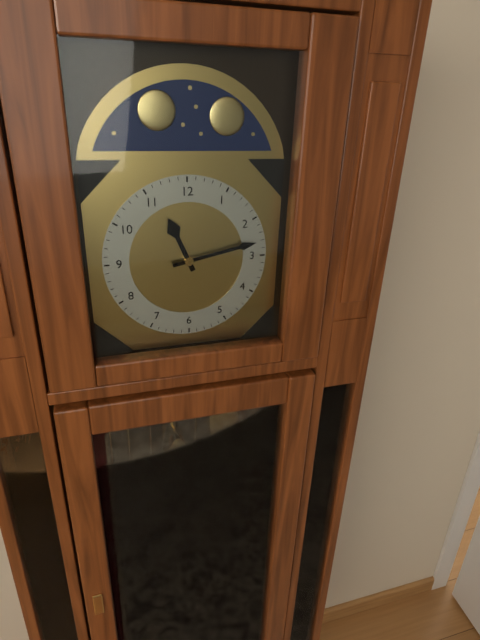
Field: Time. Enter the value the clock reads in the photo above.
11:13
